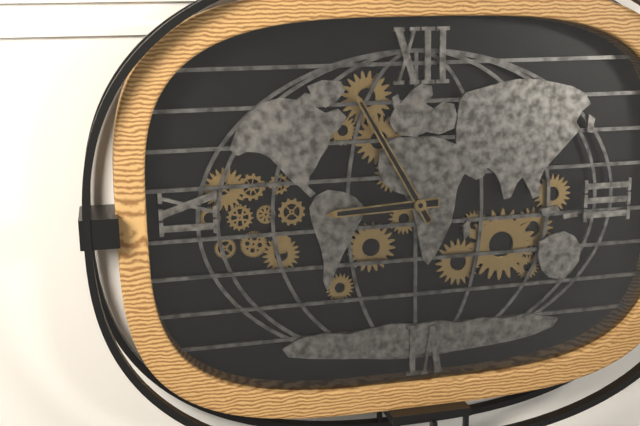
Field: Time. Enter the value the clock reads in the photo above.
8:55
